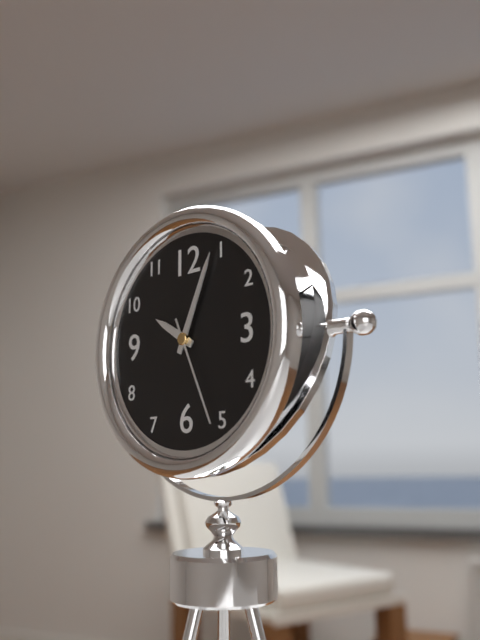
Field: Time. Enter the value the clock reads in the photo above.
10:04:26
